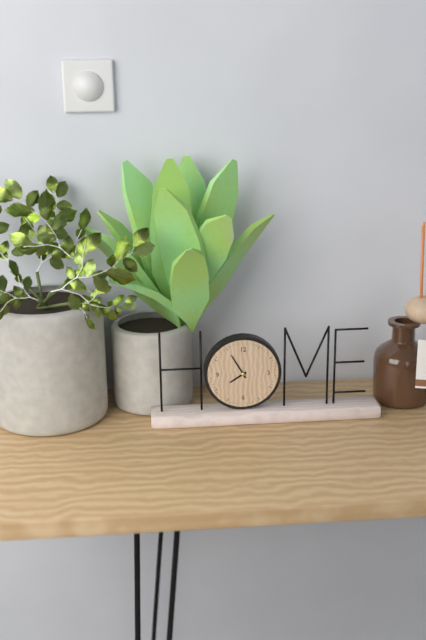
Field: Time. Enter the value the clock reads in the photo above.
7:55
